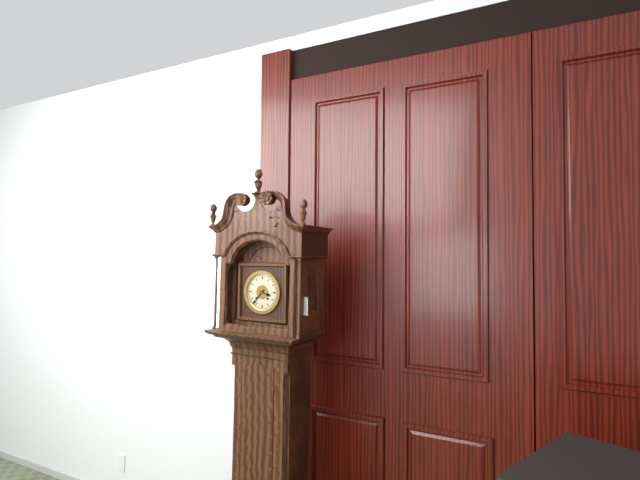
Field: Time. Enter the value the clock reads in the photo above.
3:37
